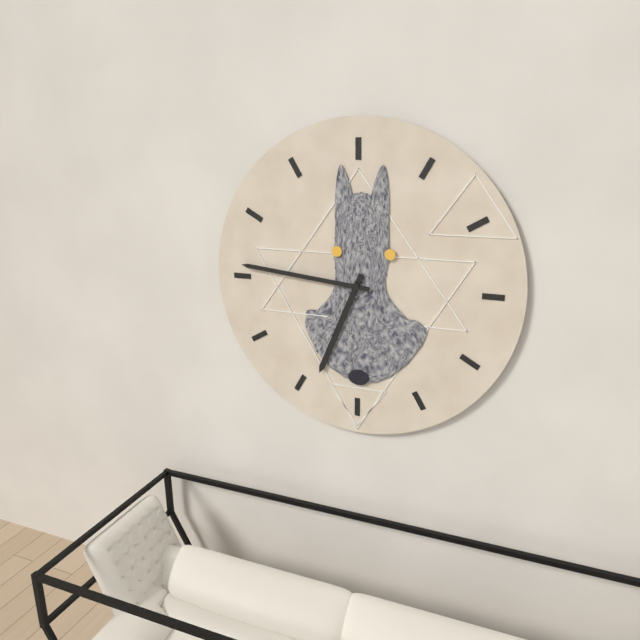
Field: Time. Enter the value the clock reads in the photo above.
6:46
